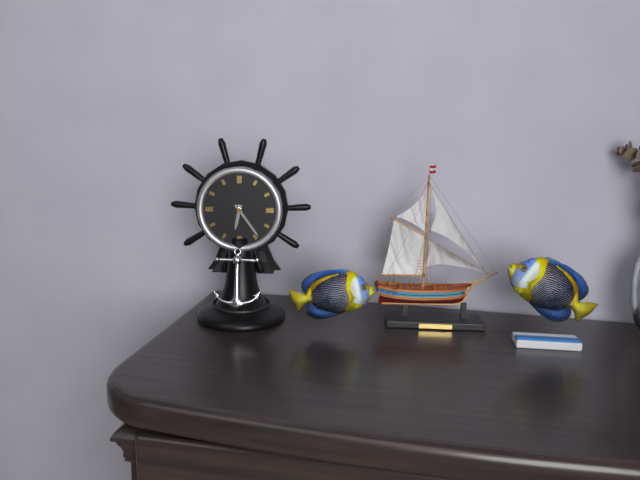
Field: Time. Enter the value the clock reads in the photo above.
6:24
